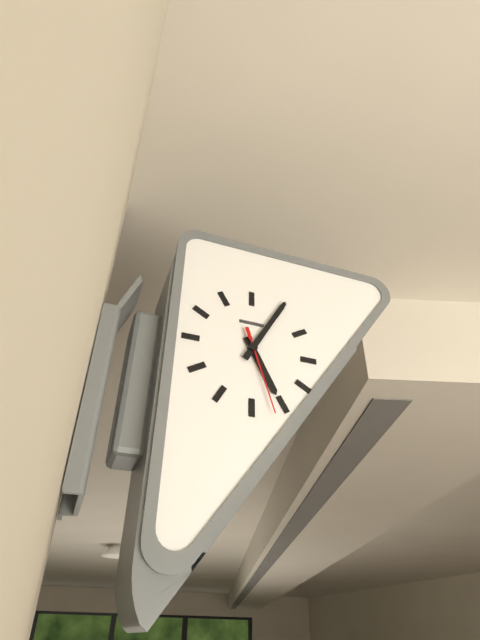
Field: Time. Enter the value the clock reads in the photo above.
5:05:27
